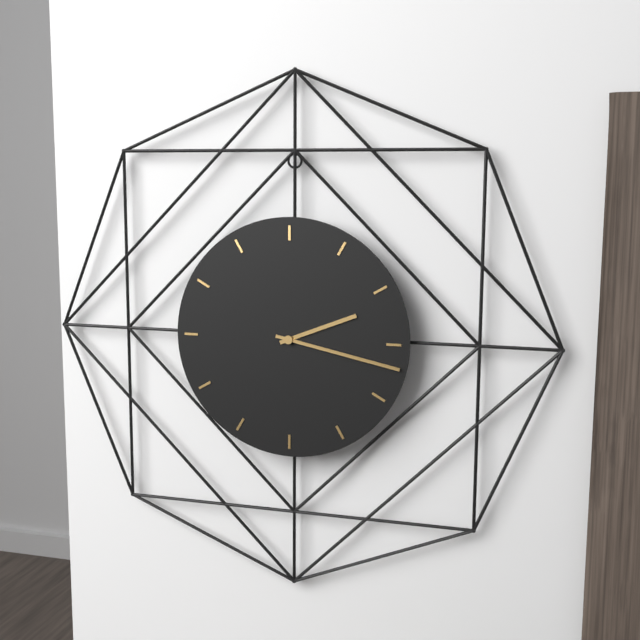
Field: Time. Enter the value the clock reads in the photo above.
2:17
